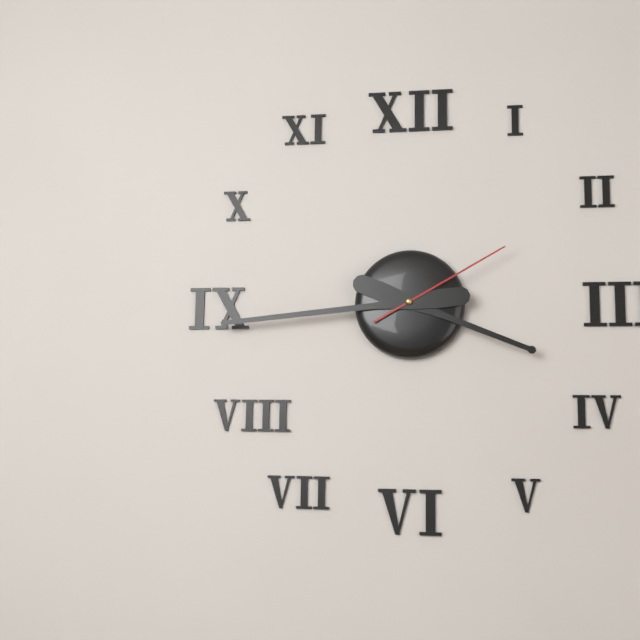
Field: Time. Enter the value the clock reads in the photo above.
3:44:10
